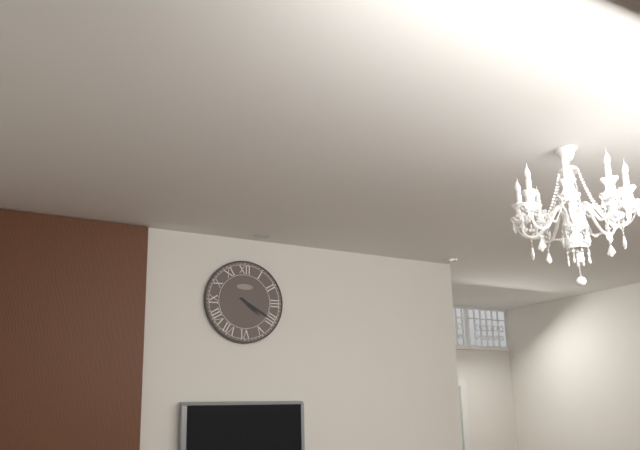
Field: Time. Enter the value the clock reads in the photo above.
4:20
